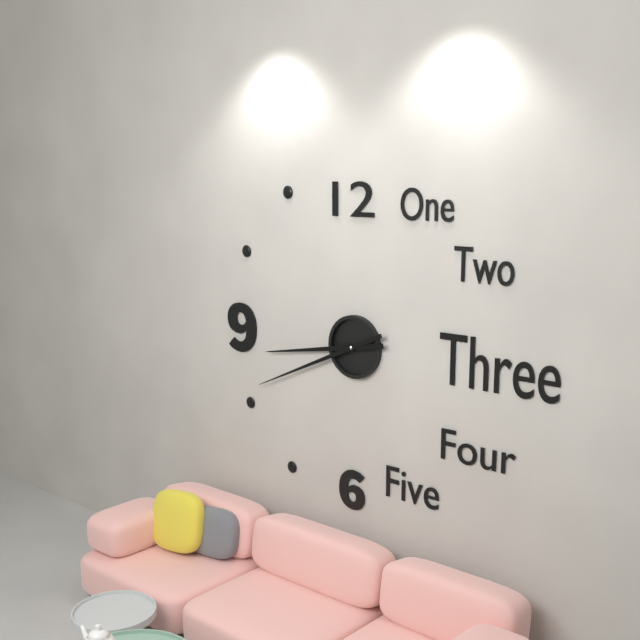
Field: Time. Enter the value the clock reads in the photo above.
8:41
